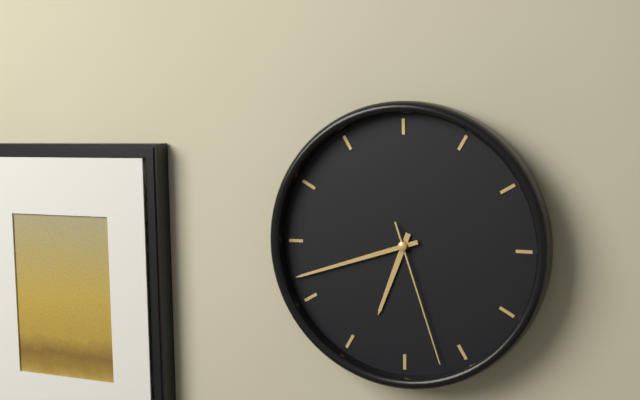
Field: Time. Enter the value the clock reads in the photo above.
6:42:27
